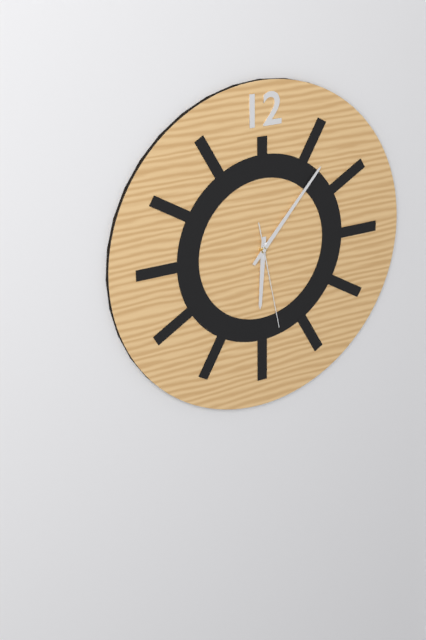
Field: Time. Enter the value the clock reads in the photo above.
6:07:28
